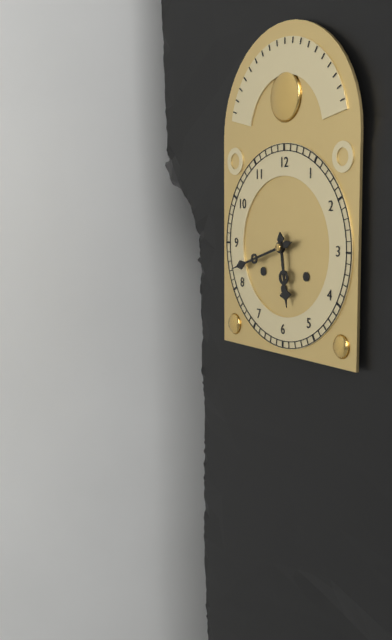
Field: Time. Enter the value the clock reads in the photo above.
5:42
